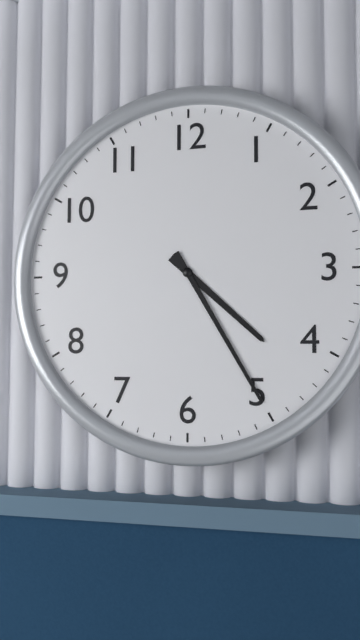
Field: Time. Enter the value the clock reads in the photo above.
4:25
